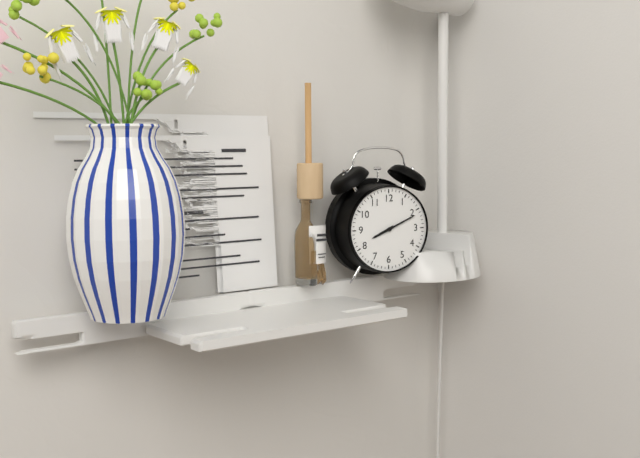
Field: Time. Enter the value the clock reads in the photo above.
8:11
